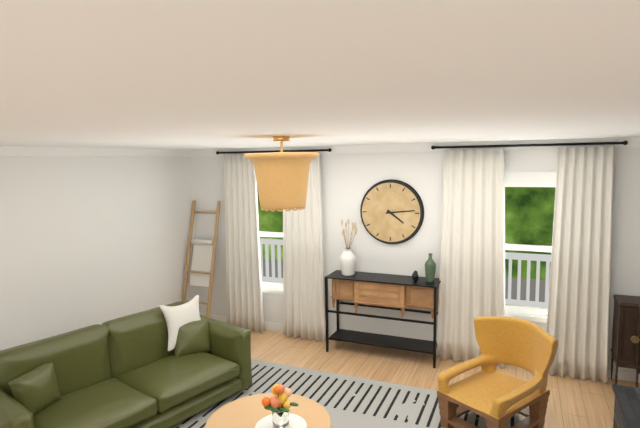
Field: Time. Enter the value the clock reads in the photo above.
4:14
